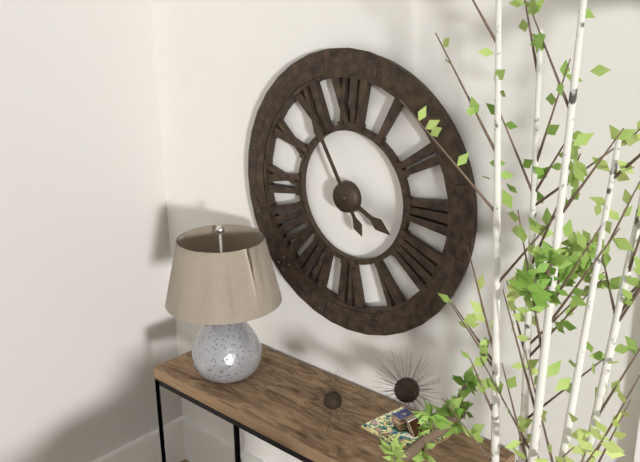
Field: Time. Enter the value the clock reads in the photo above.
3:55
